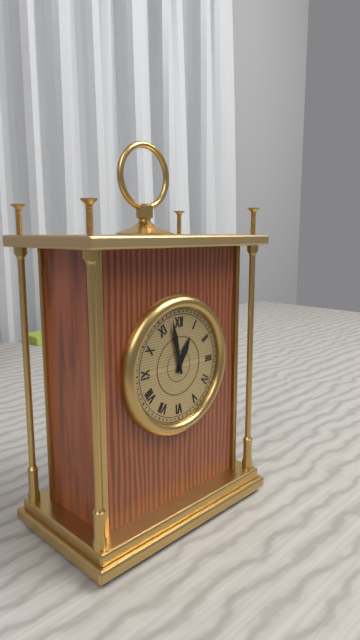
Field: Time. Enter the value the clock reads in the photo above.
12:58
